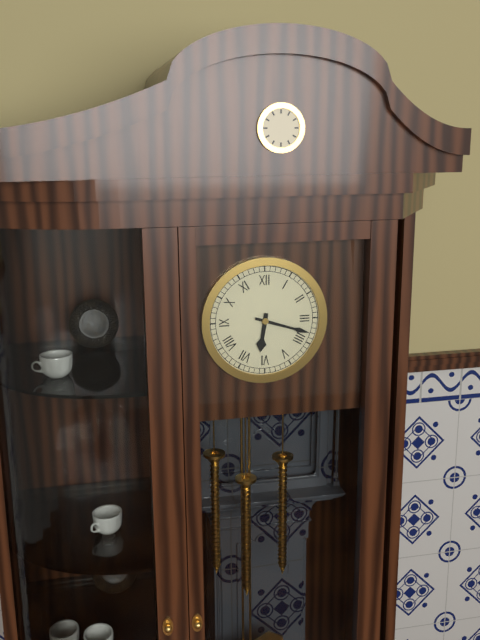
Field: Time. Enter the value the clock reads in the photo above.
6:18
